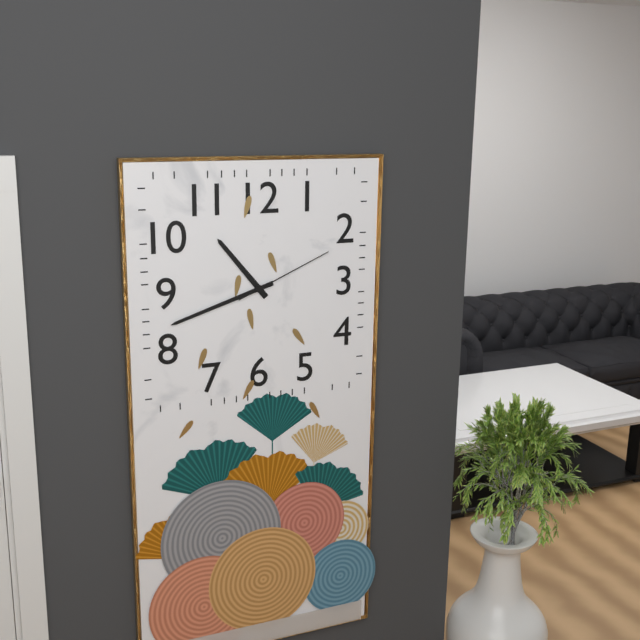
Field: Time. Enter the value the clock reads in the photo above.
10:42:11
